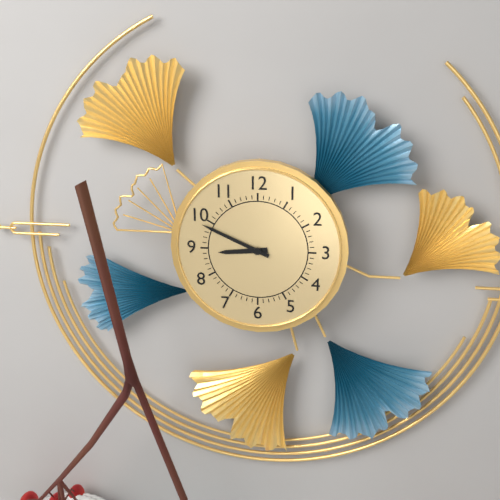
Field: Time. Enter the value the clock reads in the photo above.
8:49
